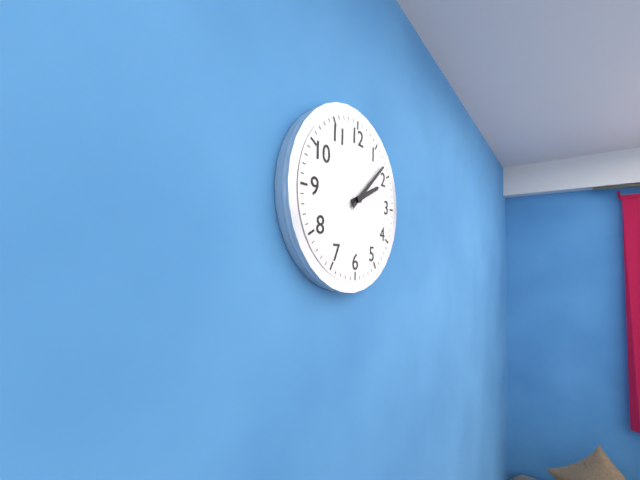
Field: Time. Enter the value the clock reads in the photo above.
2:08
